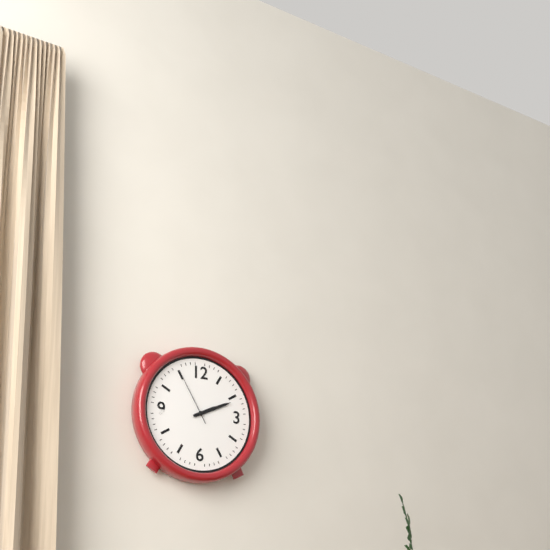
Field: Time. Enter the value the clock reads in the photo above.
2:11:55
